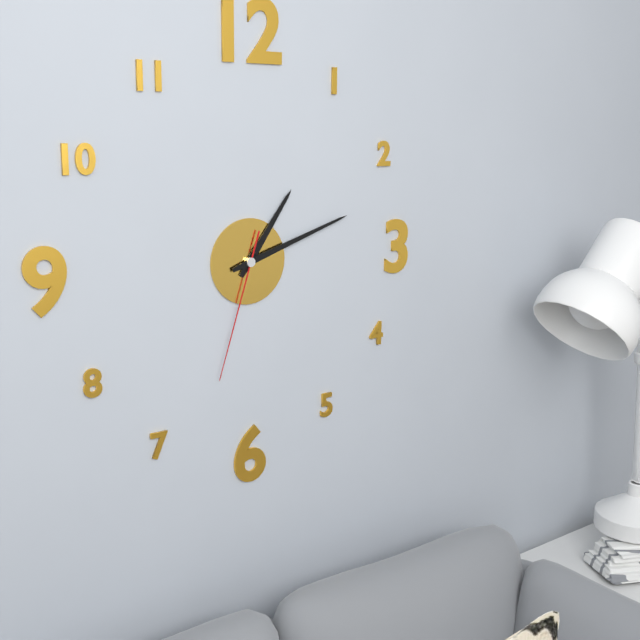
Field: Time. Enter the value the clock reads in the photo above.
1:12:33
